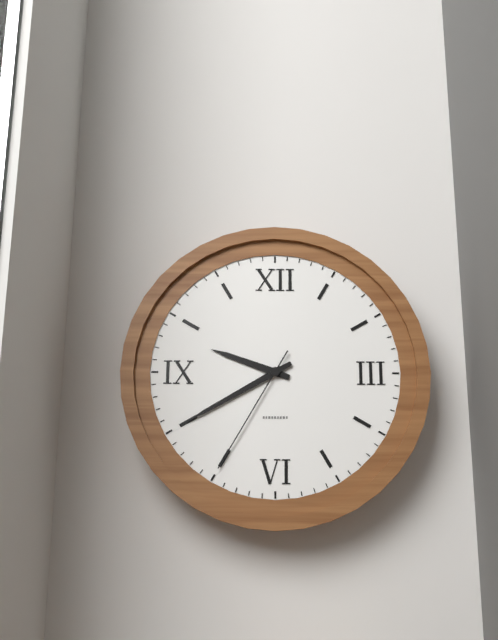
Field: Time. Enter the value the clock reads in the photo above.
9:40:35
